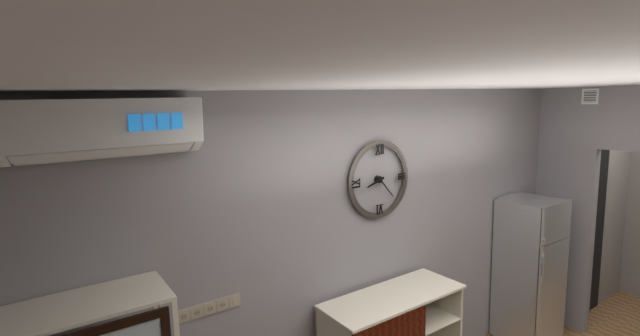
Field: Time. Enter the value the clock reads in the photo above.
8:23
